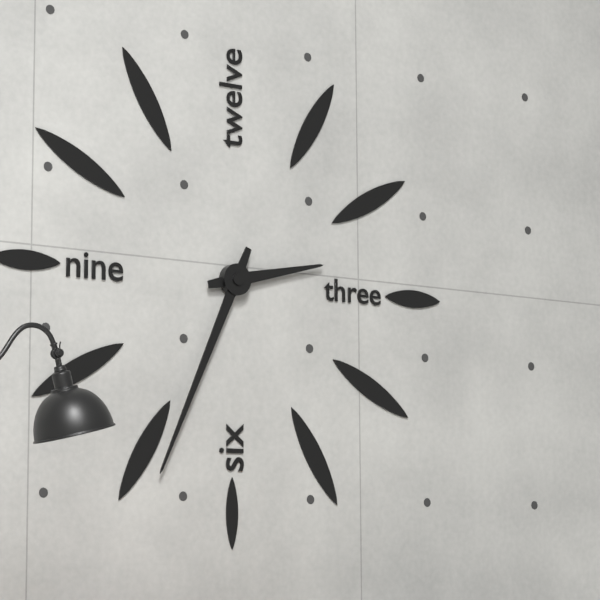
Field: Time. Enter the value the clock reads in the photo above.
2:34
